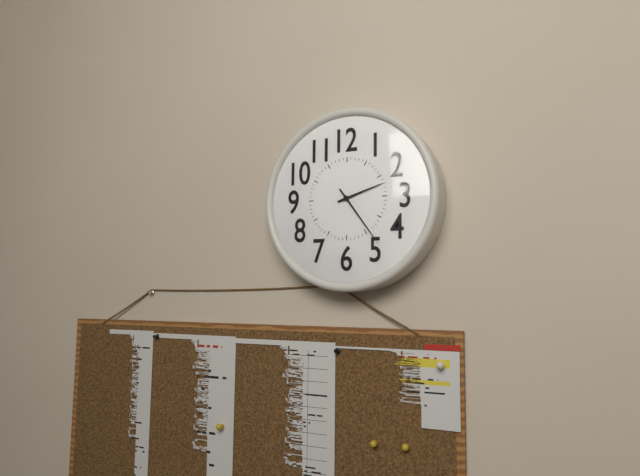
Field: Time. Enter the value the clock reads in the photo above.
2:24
